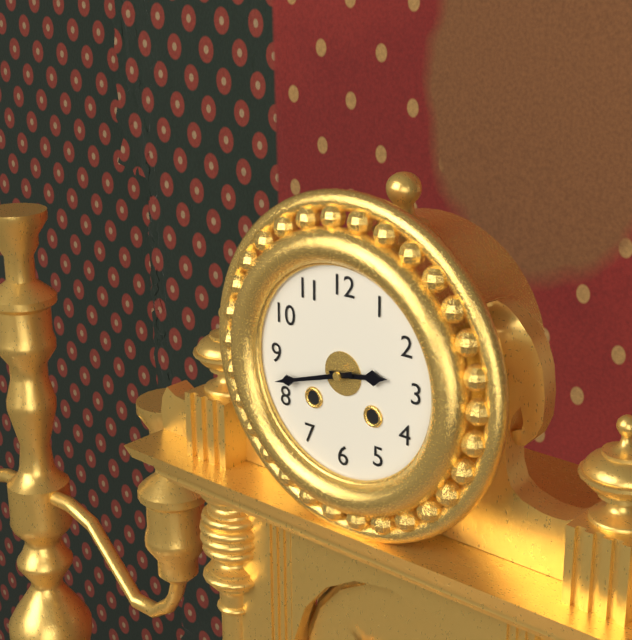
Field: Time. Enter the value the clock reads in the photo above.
2:42
